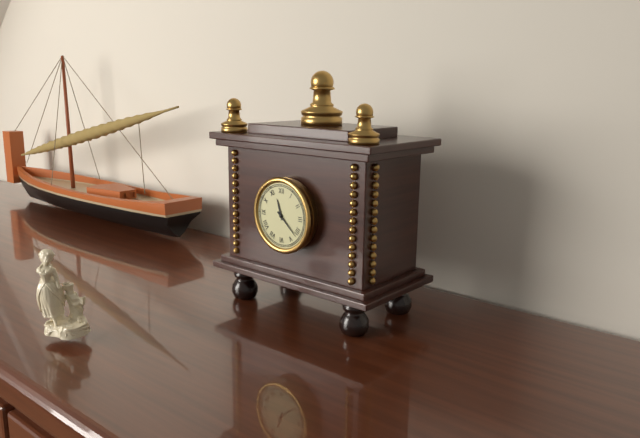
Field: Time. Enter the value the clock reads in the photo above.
11:22
